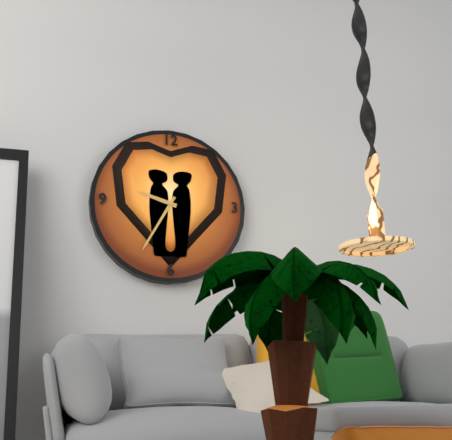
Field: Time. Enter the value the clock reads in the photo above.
9:35
